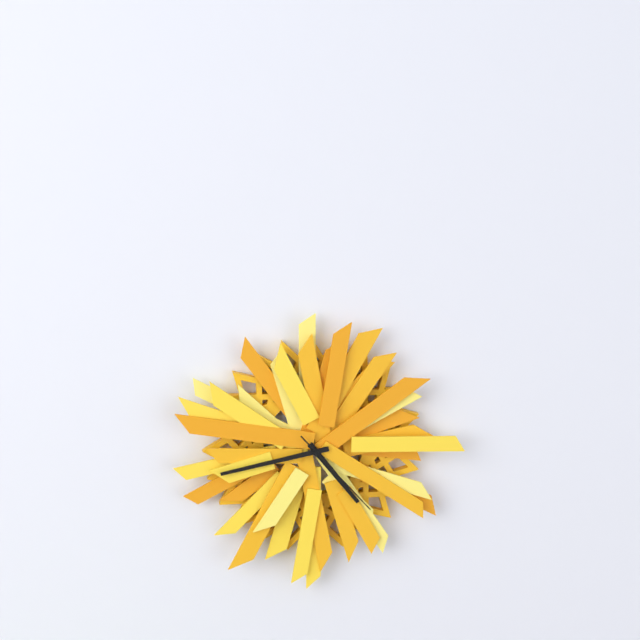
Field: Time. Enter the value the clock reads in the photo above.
4:43:23
